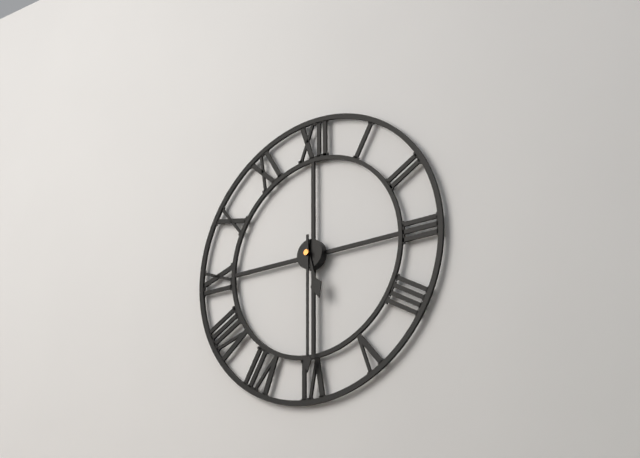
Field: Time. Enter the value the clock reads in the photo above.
5:30
